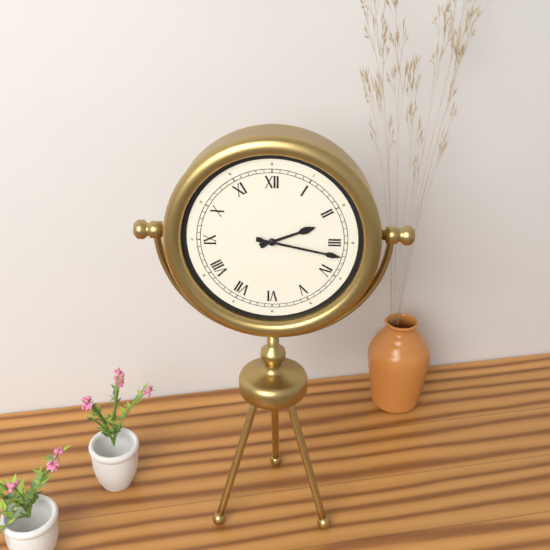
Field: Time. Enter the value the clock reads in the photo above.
2:17
